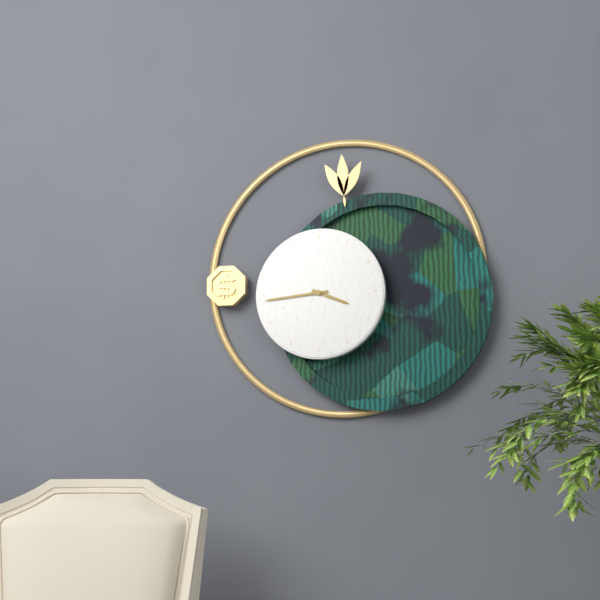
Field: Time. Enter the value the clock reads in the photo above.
3:44
